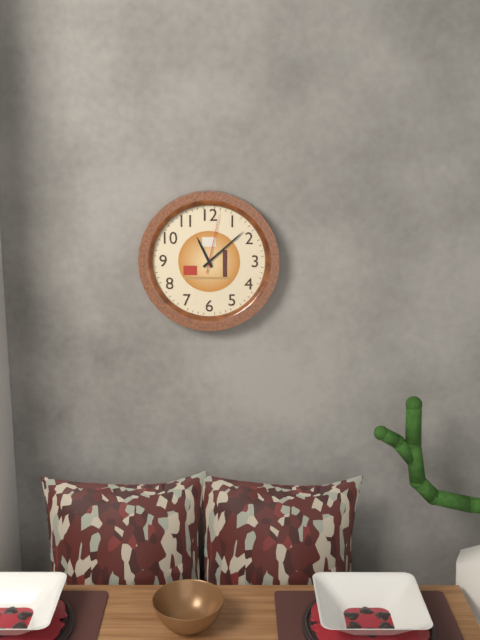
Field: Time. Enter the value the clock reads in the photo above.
11:08:02
